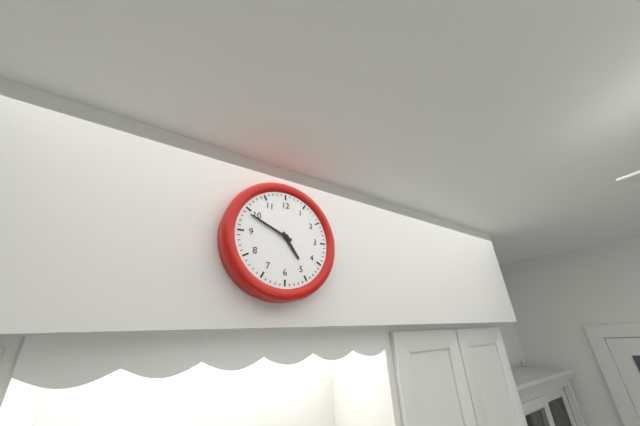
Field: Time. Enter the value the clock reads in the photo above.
4:49
